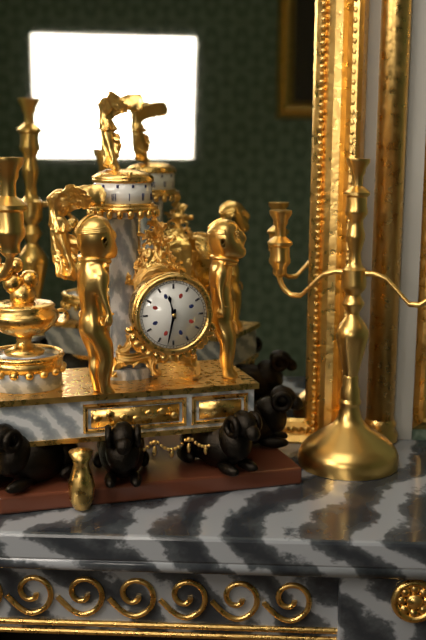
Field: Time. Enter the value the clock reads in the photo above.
11:32
